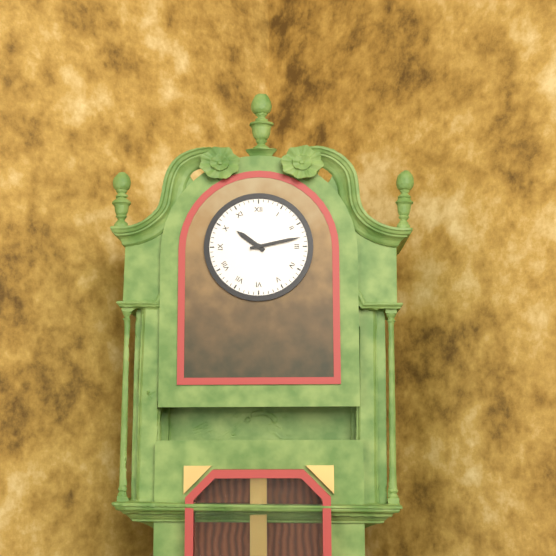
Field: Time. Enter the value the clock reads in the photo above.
10:13
